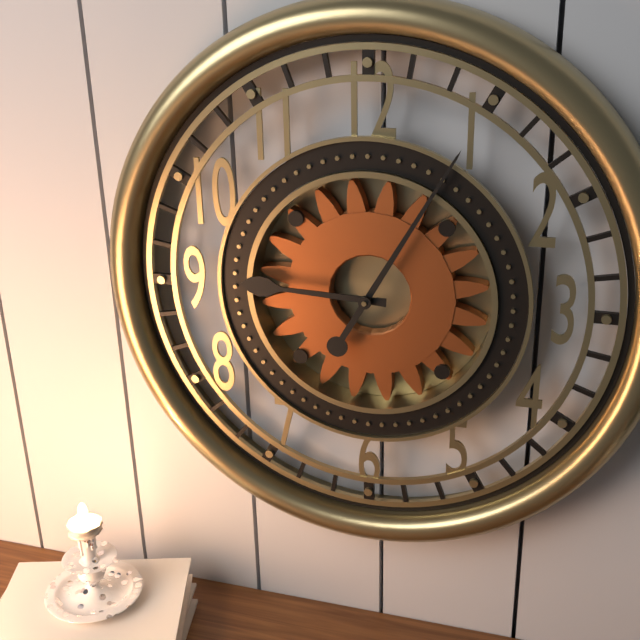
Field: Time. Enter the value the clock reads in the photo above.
9:05
